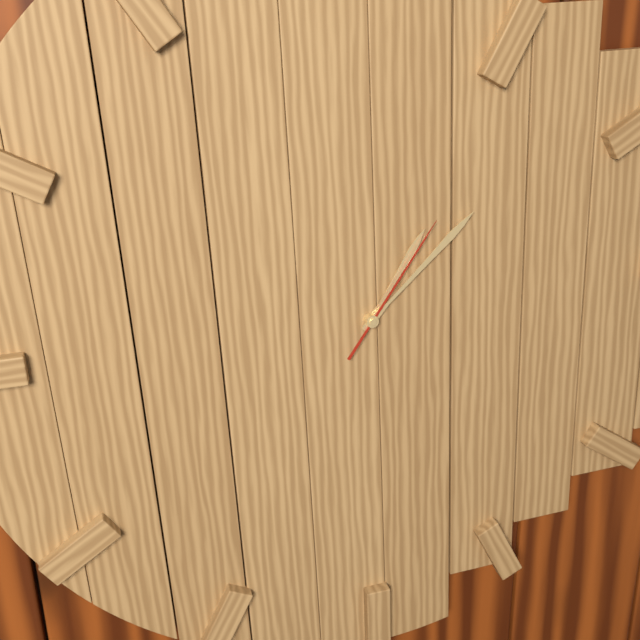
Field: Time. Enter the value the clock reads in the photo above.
1:08:06
